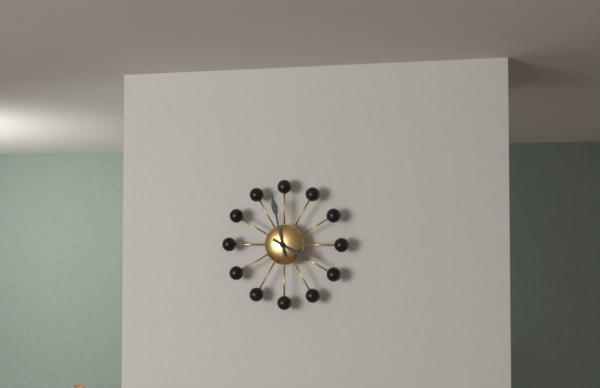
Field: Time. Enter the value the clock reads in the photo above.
3:58
